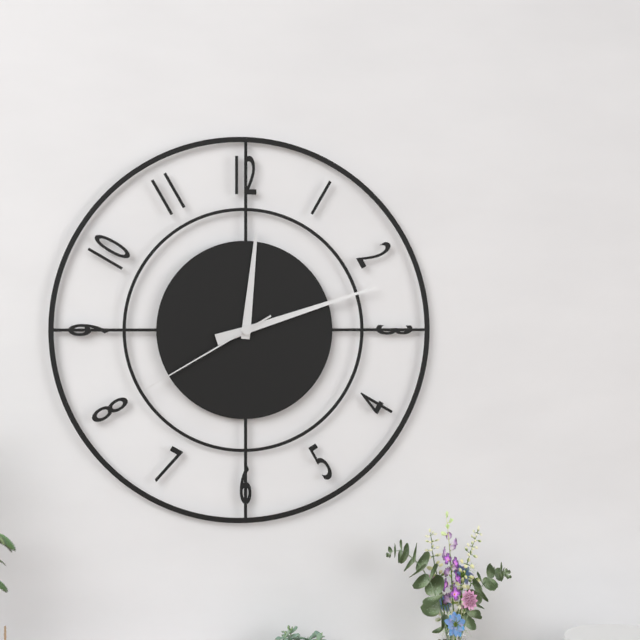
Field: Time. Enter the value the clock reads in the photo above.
12:12:40
